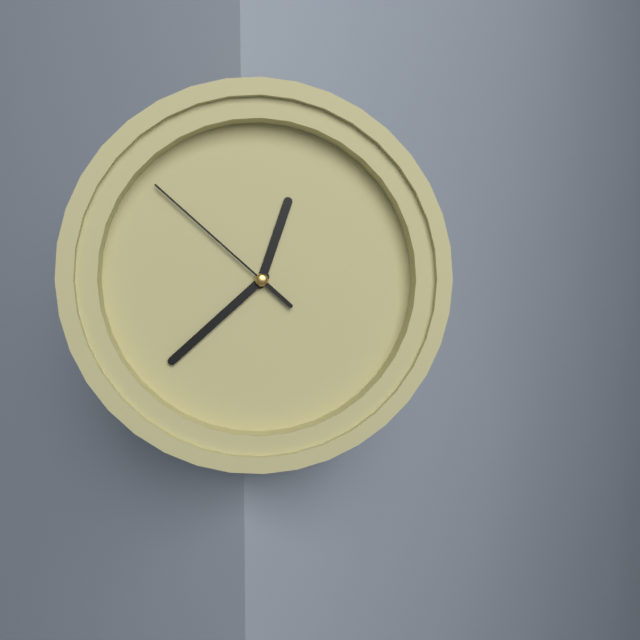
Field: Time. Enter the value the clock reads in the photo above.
12:38:52
